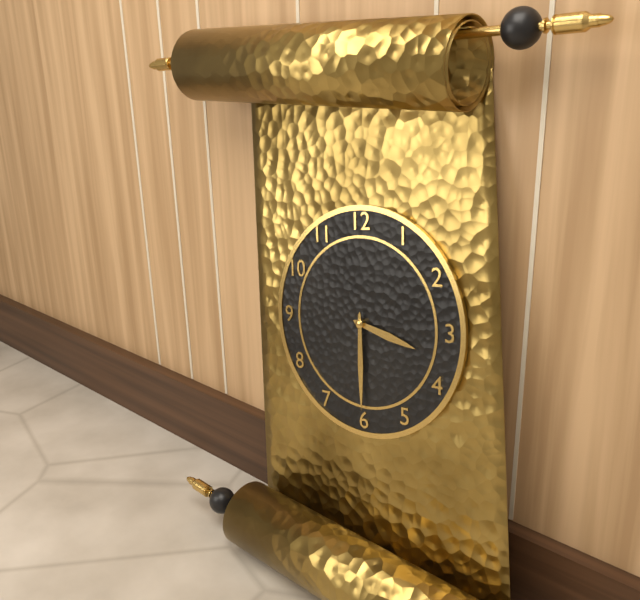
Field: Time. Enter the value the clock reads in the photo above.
3:30
